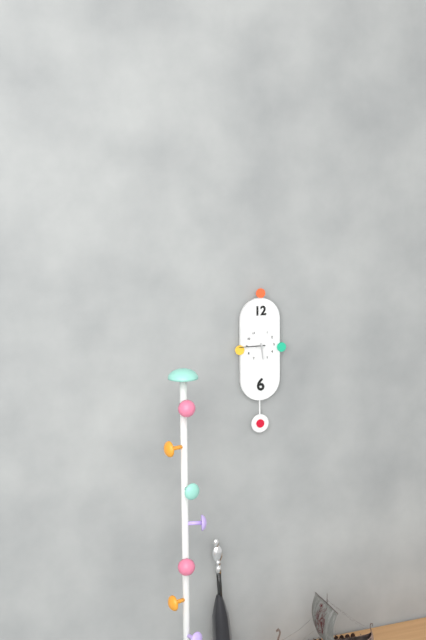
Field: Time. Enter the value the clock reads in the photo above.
5:45
